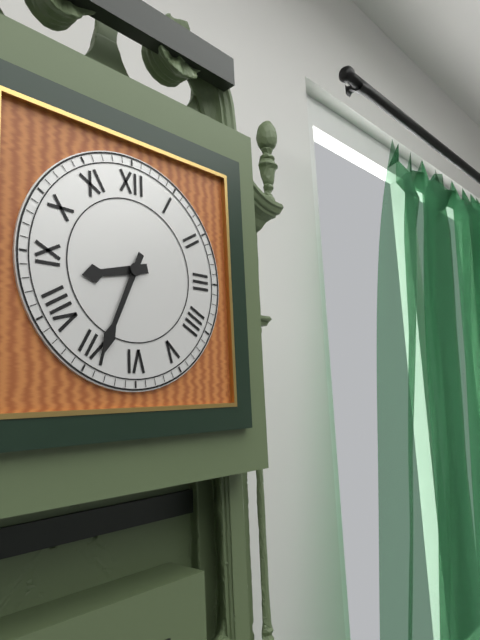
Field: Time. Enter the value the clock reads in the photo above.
8:34
